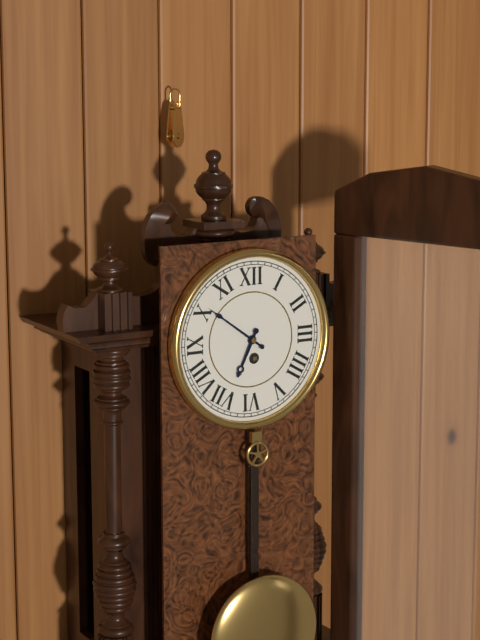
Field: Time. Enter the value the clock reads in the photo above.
6:51
